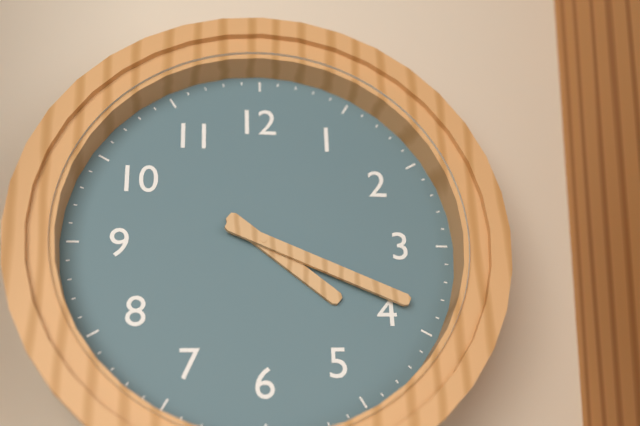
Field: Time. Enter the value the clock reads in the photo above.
4:19
